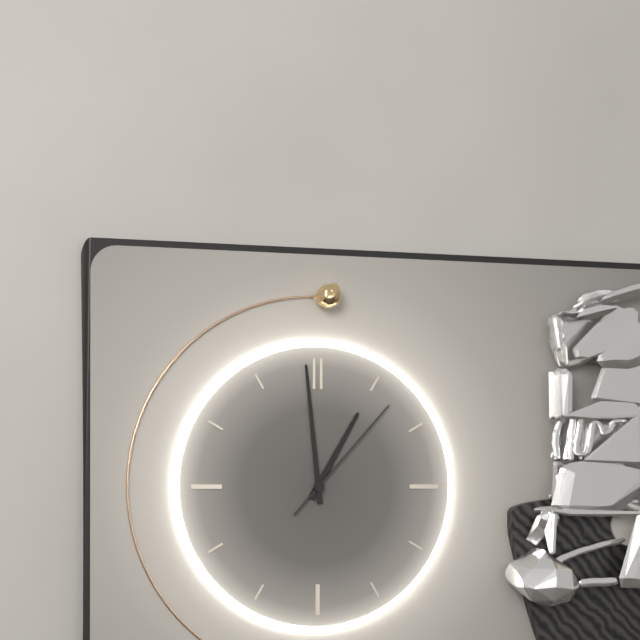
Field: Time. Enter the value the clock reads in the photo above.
12:59:07
